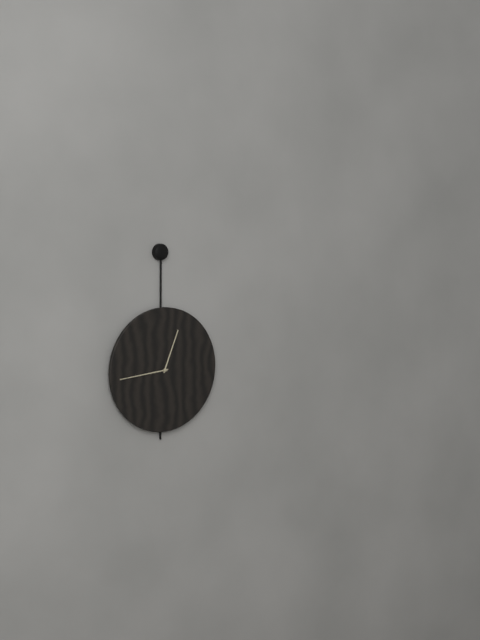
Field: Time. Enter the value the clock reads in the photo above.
12:44
